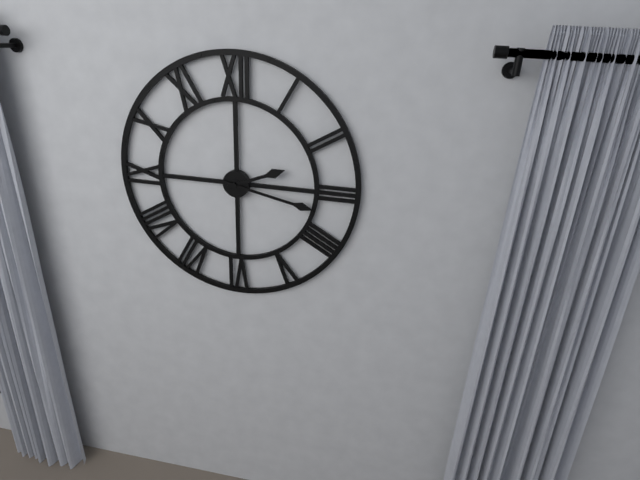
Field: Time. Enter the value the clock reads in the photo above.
2:17
